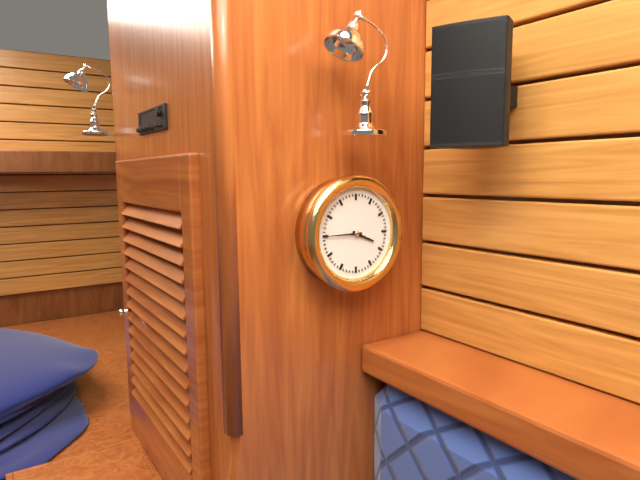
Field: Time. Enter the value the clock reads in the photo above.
3:45
